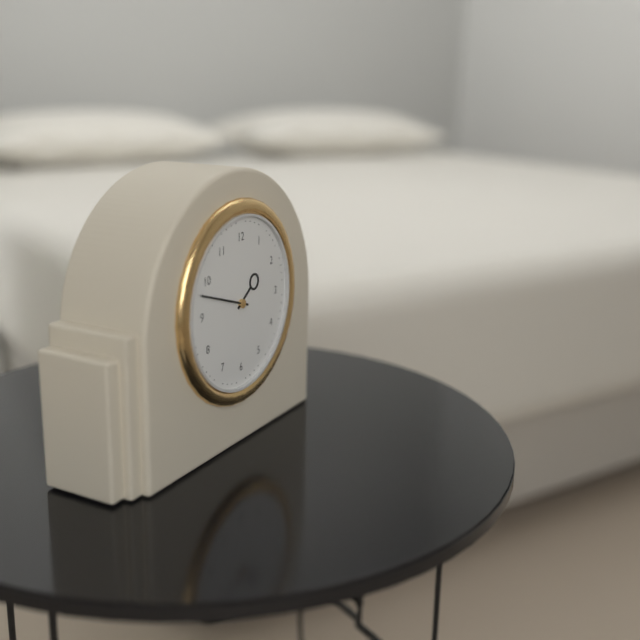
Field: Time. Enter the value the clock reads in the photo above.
1:48
